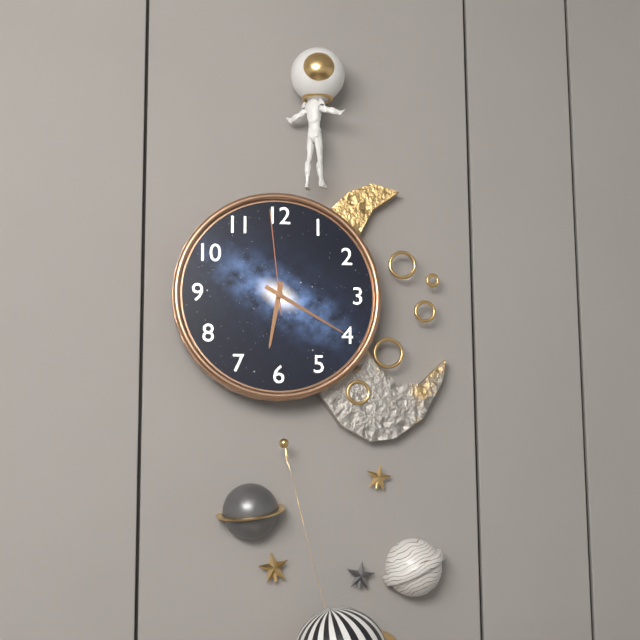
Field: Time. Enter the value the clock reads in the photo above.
6:20:59
